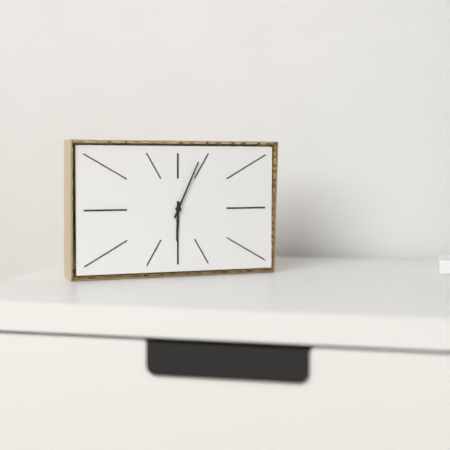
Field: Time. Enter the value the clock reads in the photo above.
6:04
